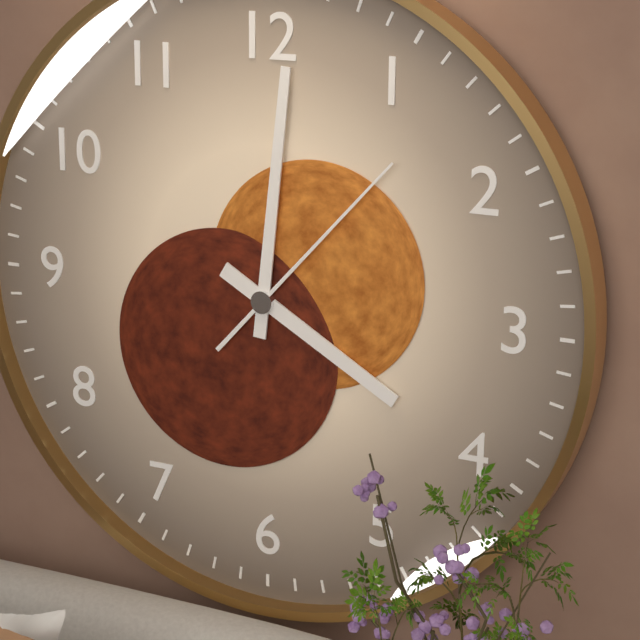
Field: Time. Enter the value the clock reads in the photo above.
4:01:07
